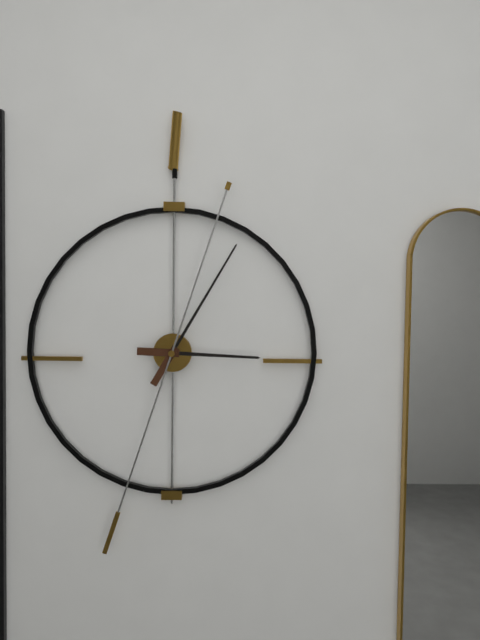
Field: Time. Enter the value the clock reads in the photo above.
3:05:33
